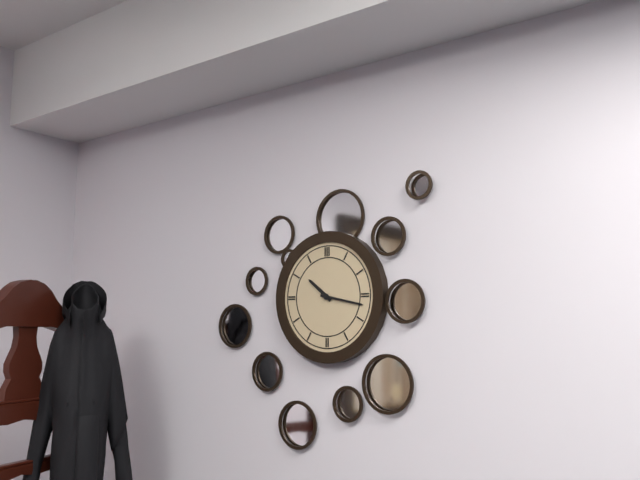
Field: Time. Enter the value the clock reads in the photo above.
10:17
